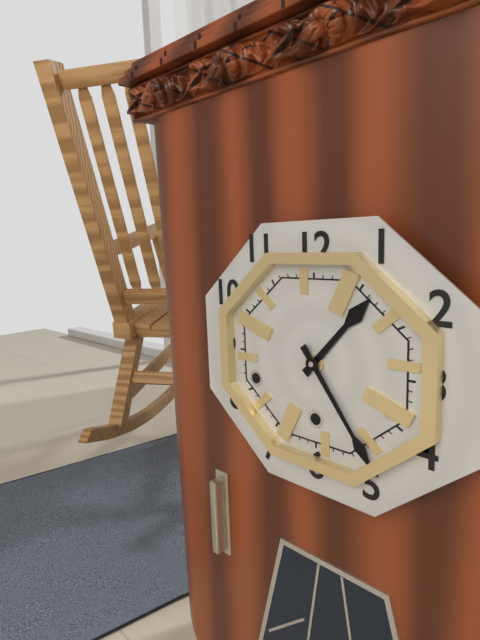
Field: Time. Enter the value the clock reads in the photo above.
1:24
